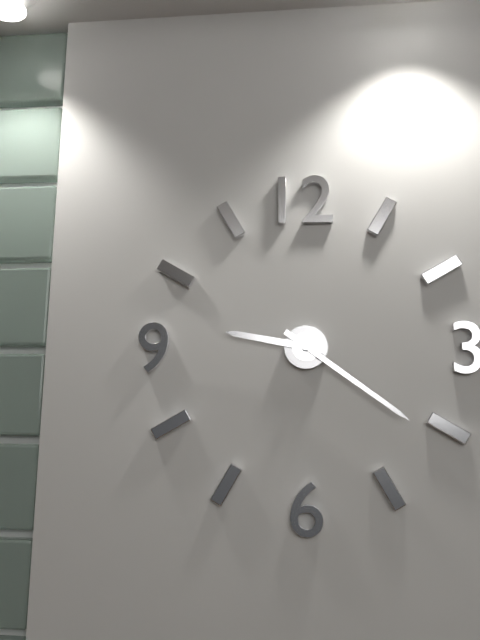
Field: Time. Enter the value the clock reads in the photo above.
9:21
